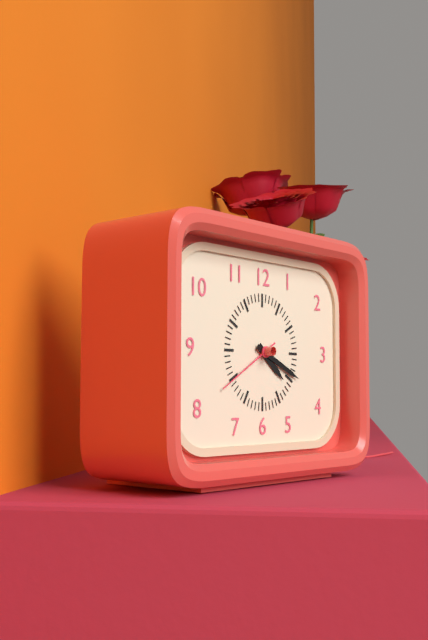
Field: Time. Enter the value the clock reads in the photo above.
4:19:40
